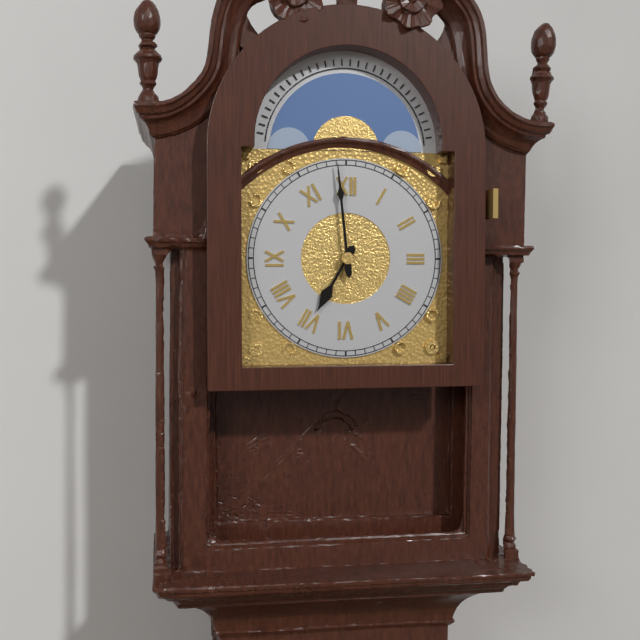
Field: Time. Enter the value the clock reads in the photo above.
6:59
